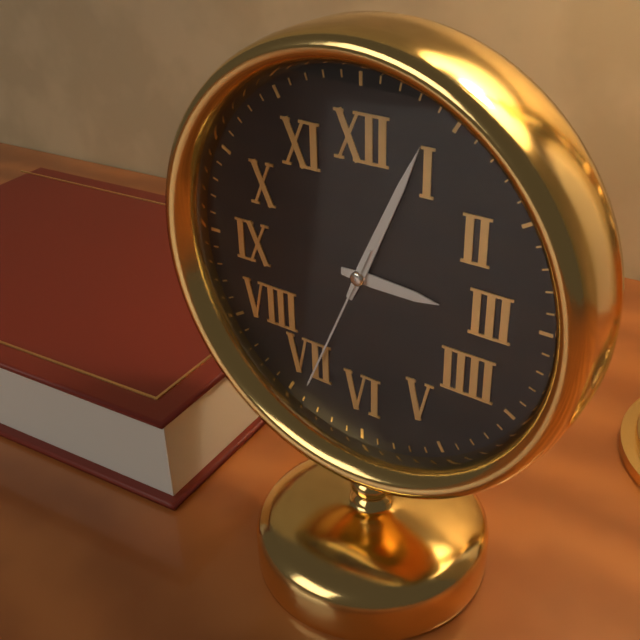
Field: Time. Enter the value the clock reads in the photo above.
3:04:34
